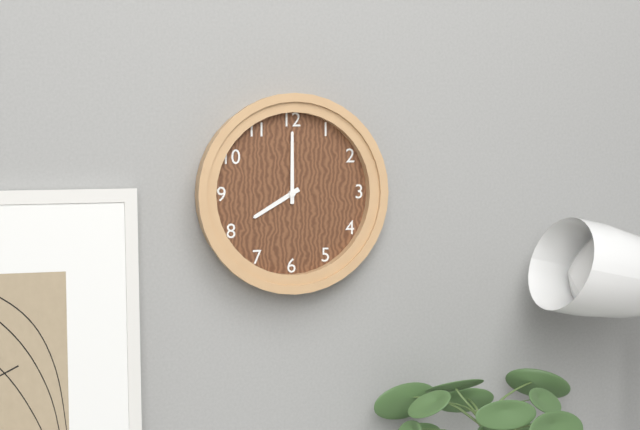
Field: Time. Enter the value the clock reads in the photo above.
8:00
